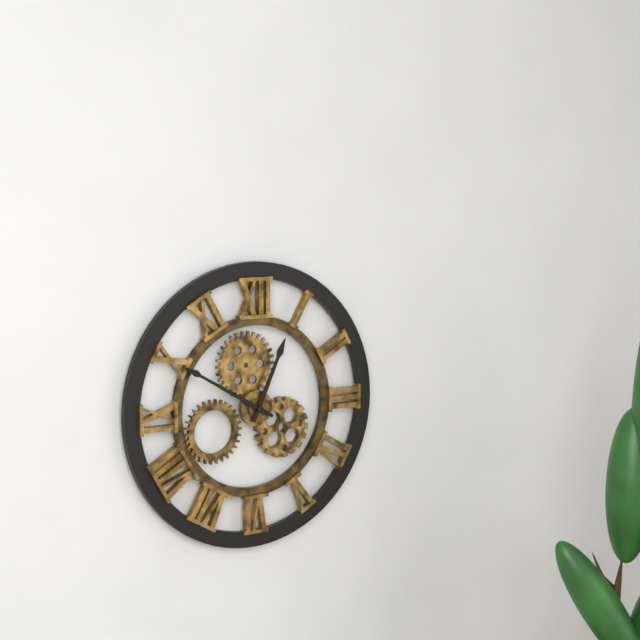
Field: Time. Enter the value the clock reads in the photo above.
12:50
